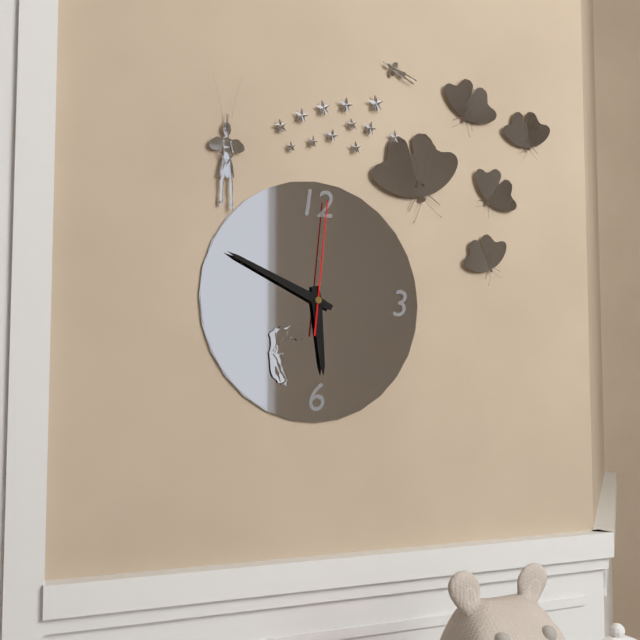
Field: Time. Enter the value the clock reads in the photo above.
5:49:01
